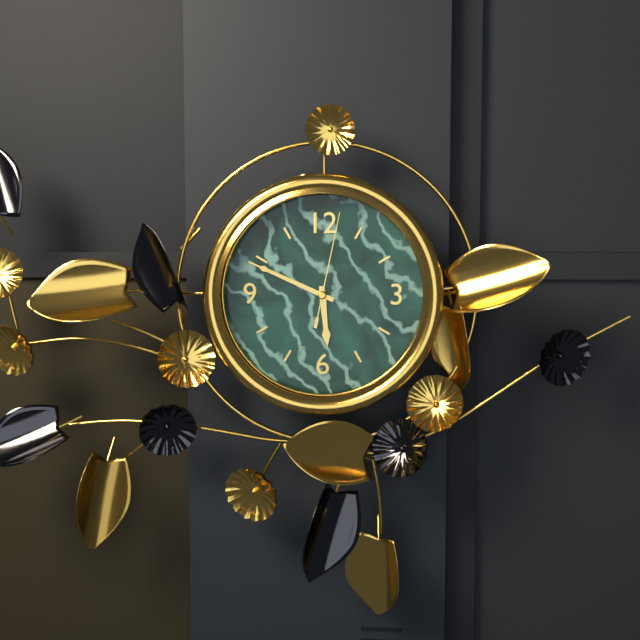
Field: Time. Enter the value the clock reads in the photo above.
5:49:02
